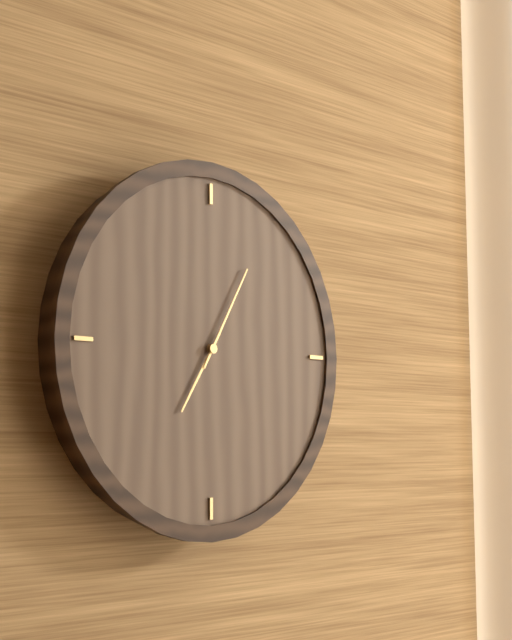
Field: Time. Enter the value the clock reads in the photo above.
7:05
